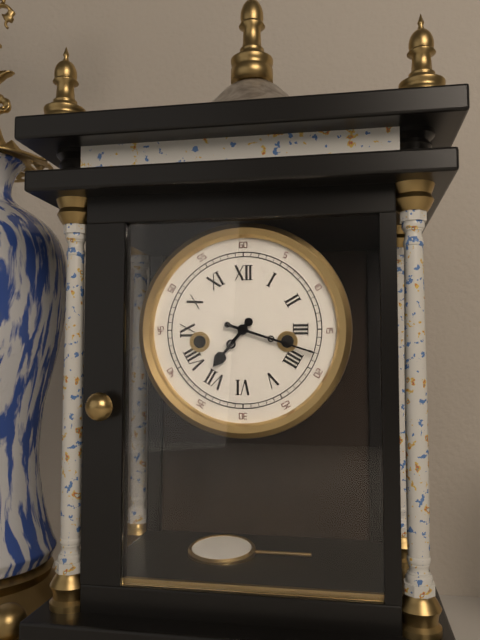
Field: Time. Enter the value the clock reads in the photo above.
7:18
